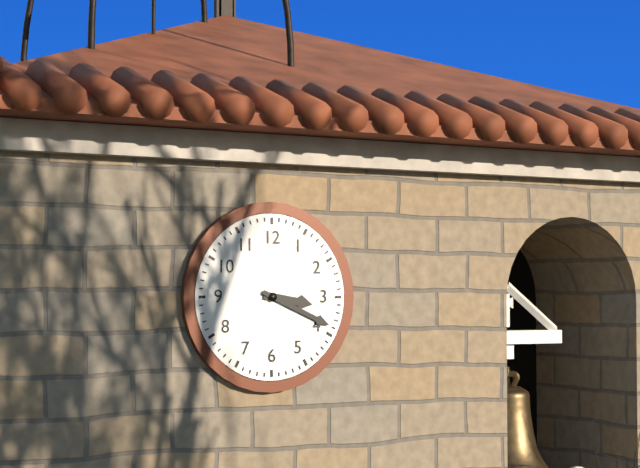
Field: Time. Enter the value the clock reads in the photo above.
3:19
